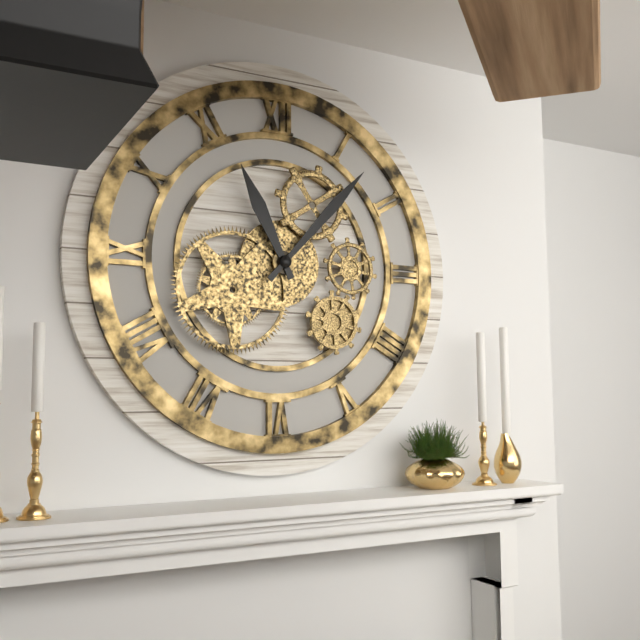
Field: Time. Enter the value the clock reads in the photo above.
11:07
